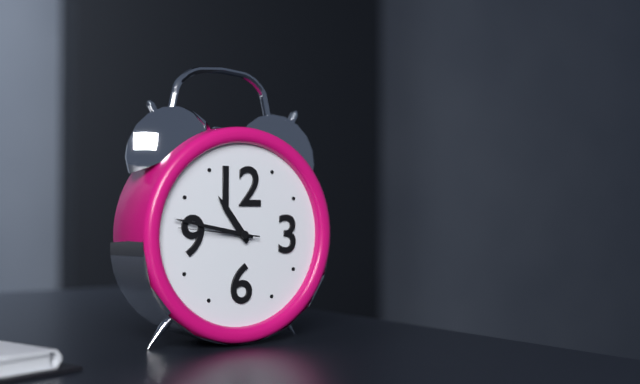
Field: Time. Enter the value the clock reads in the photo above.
10:47:46
